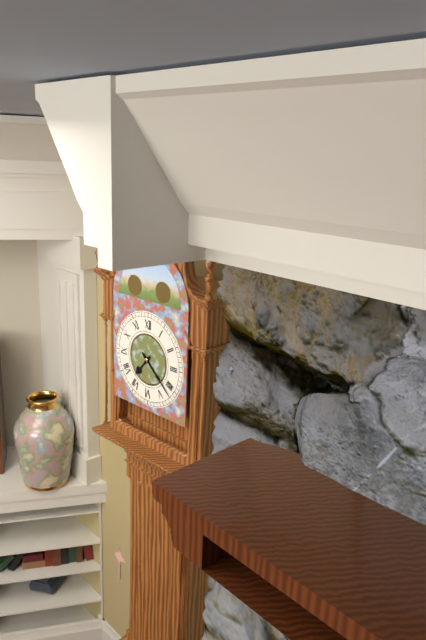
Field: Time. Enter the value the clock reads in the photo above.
7:22
